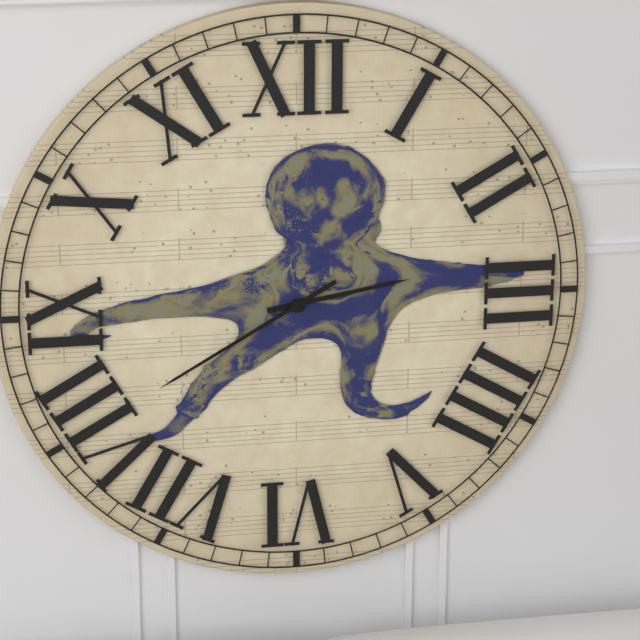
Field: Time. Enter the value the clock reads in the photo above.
2:40
